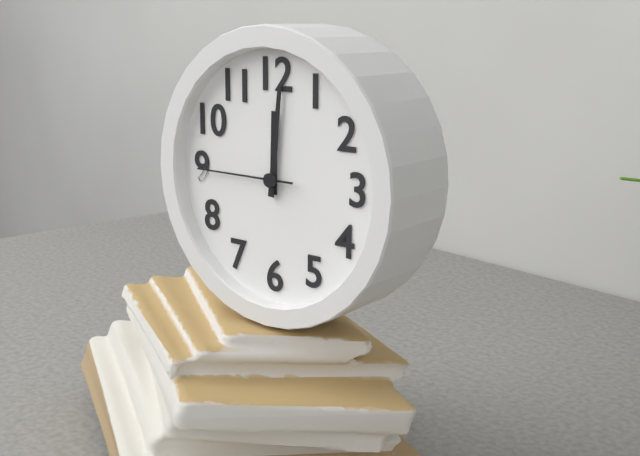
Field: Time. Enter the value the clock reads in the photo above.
12:01:45
